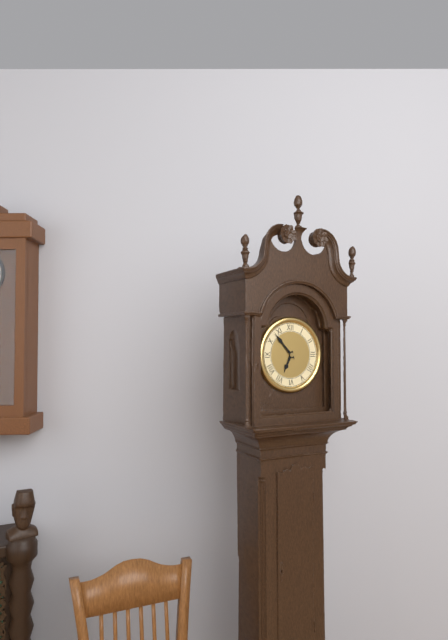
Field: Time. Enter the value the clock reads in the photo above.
6:53
